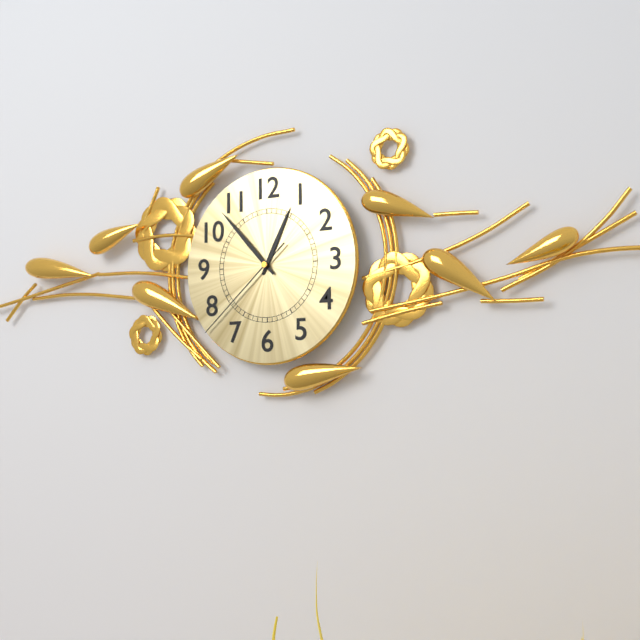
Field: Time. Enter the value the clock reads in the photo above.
12:53:38
